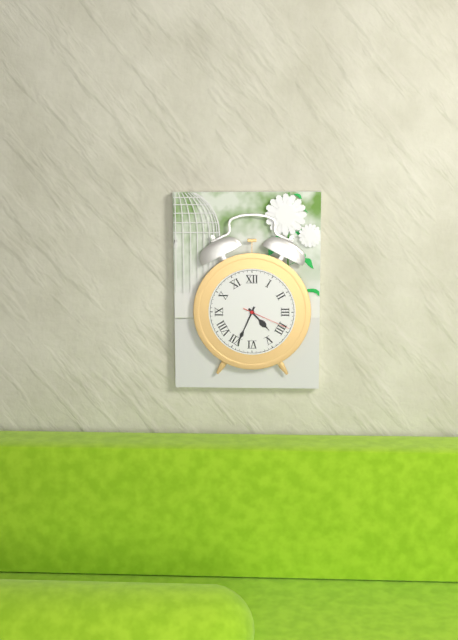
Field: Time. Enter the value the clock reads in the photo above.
4:34:19
